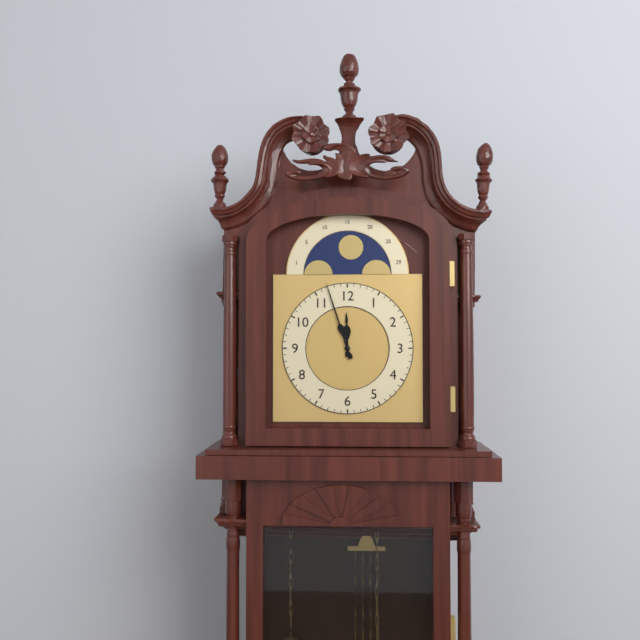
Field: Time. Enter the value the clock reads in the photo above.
11:57
